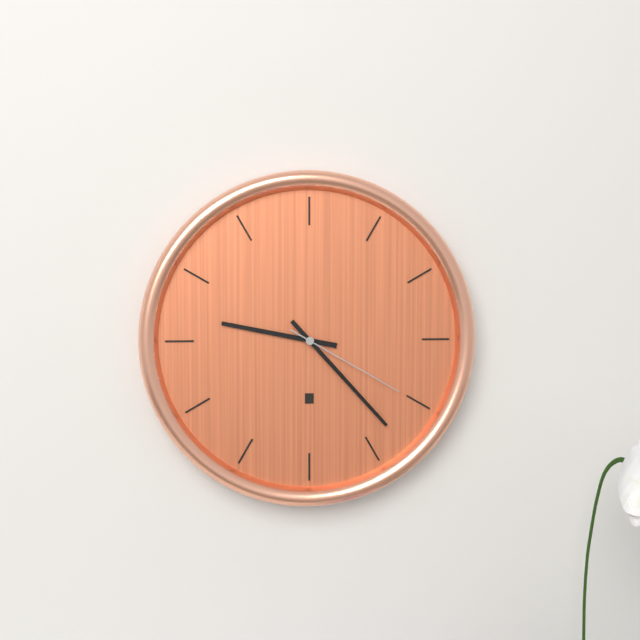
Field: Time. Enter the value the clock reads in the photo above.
9:23:20
